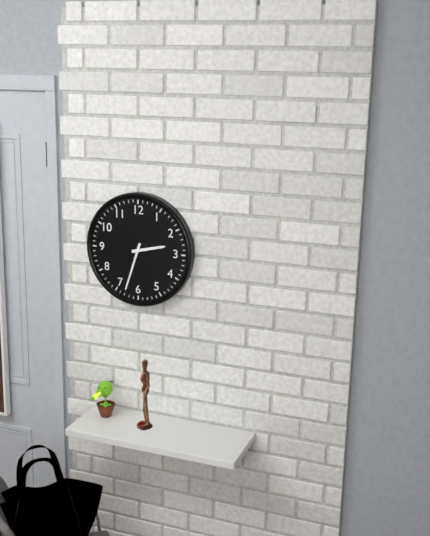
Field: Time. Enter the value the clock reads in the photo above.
2:33
